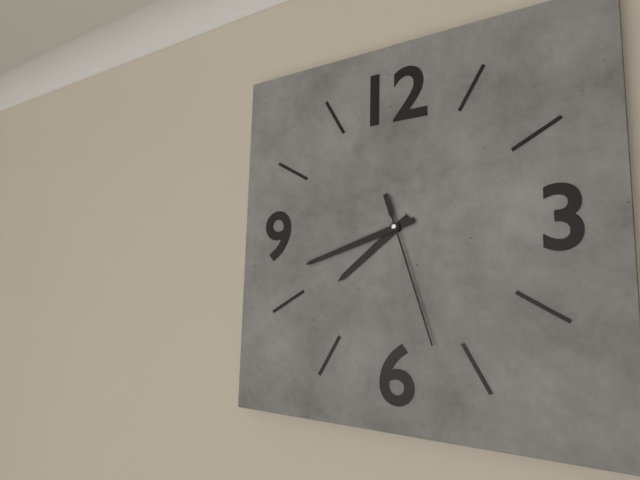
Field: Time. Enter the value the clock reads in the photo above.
7:42:27
